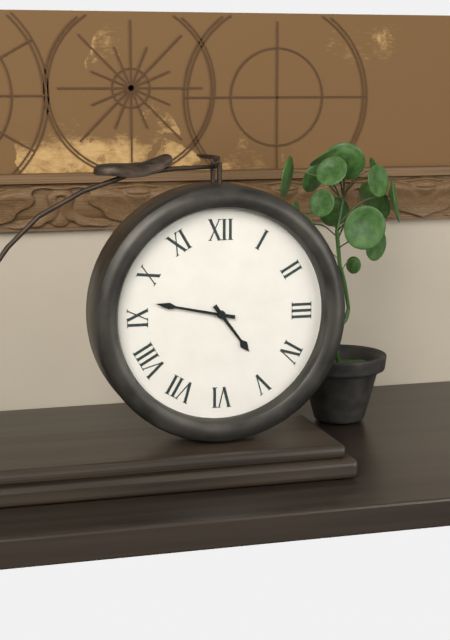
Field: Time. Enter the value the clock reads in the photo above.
4:47
